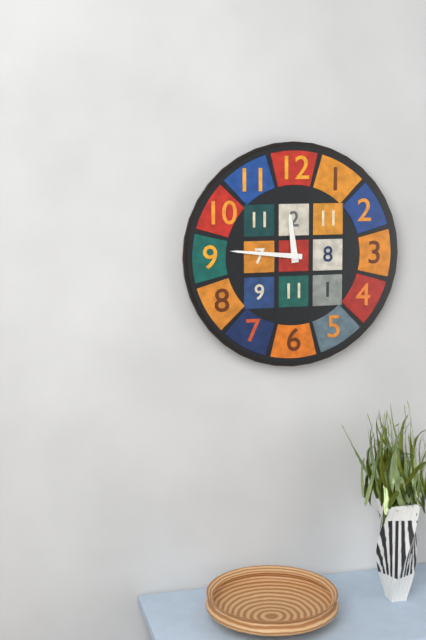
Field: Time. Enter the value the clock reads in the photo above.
11:46
